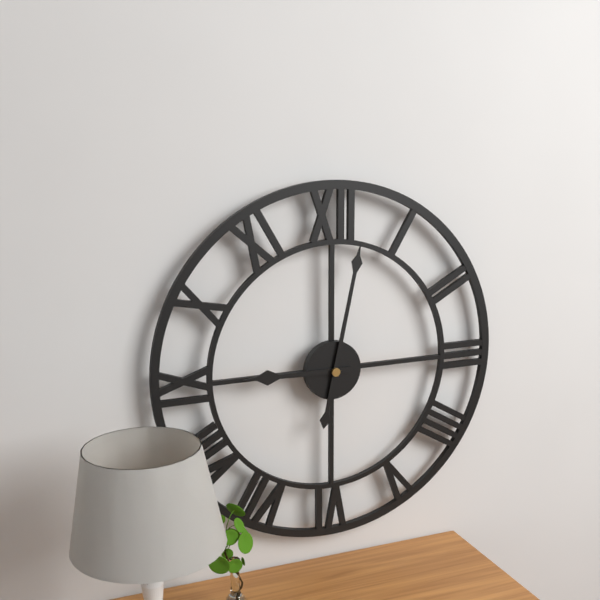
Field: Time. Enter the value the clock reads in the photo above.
9:02
